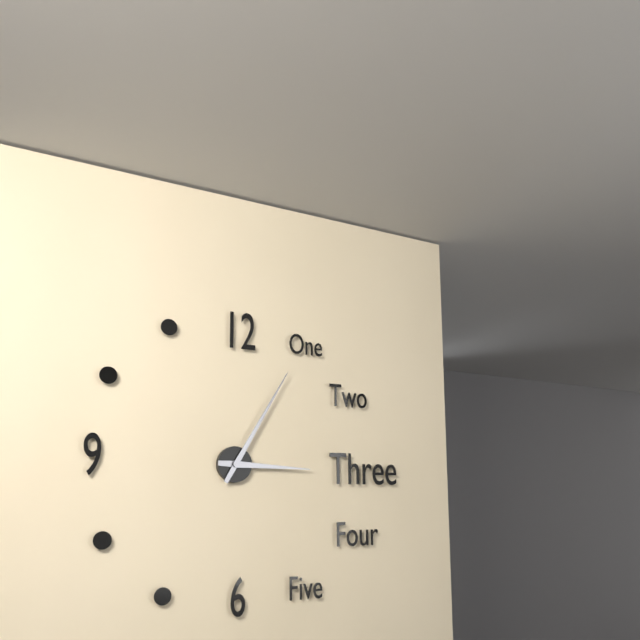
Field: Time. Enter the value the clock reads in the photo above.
3:05
